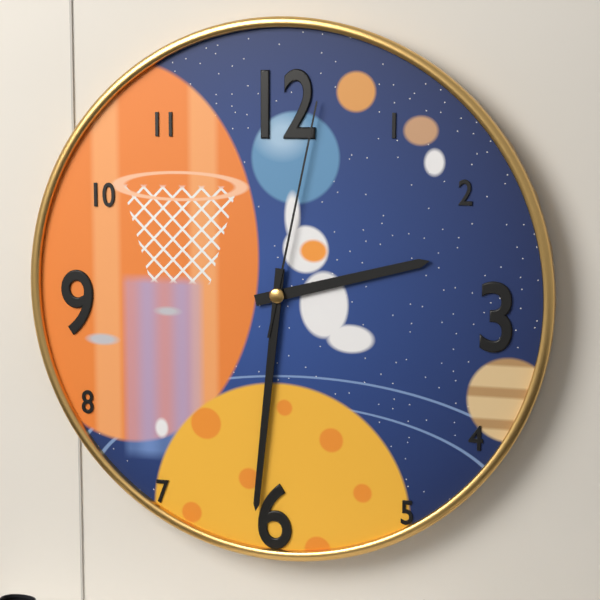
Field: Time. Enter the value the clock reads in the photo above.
2:31:02
